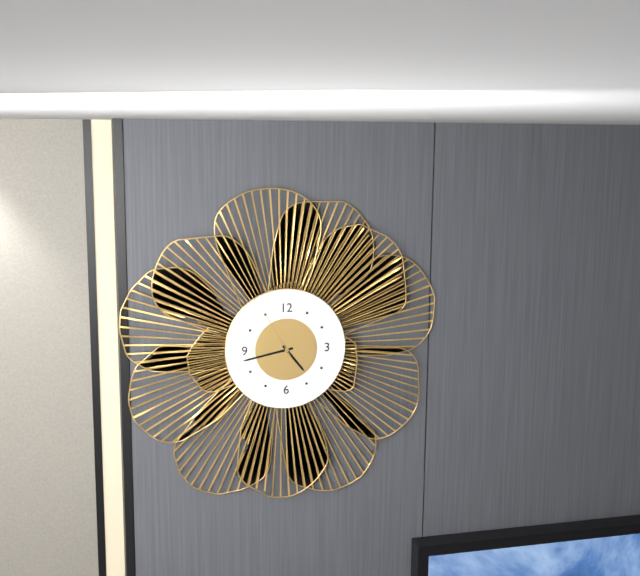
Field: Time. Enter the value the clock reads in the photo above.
4:43:55
